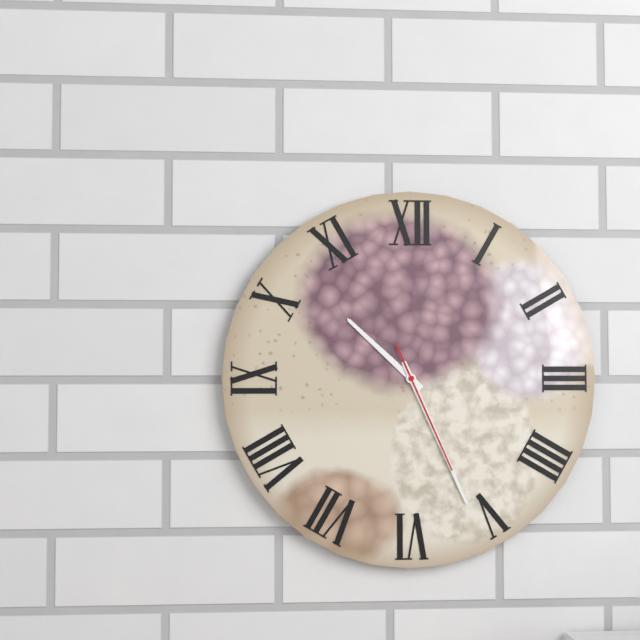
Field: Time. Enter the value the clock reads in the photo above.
10:26:26
